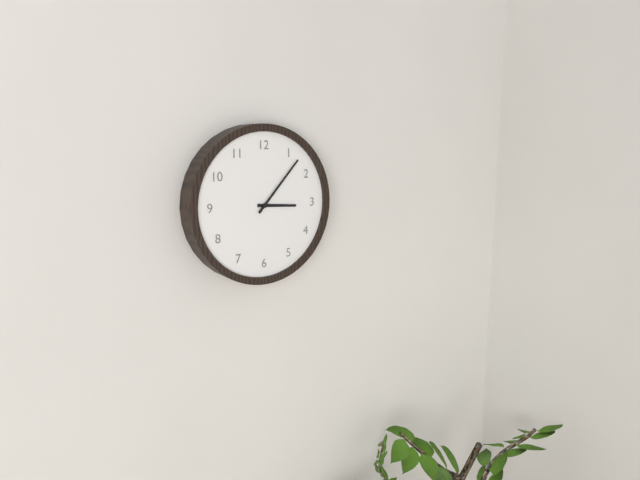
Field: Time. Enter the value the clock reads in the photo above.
3:07
